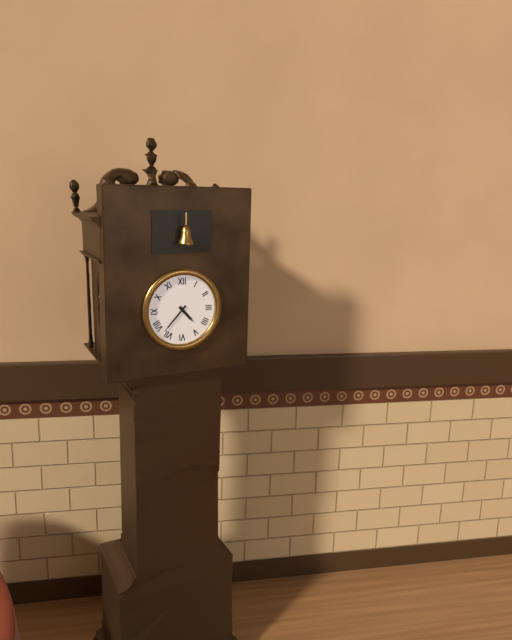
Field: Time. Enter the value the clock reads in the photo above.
4:37
